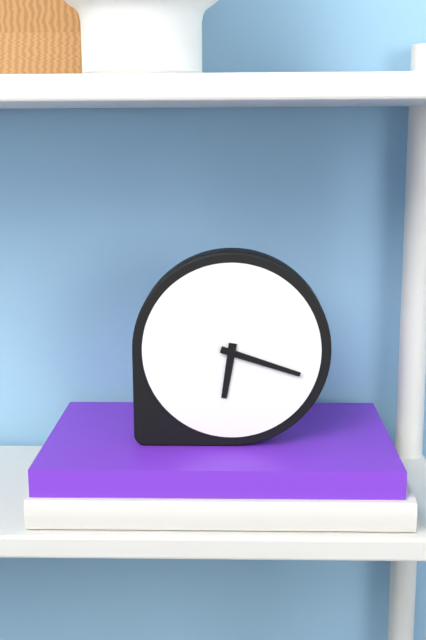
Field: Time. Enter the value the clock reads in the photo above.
6:18
